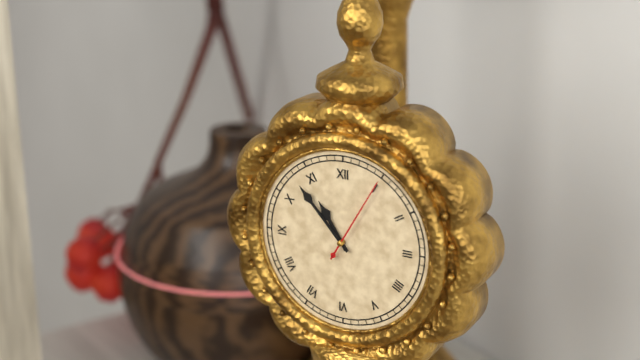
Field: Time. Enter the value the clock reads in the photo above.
10:53:05
